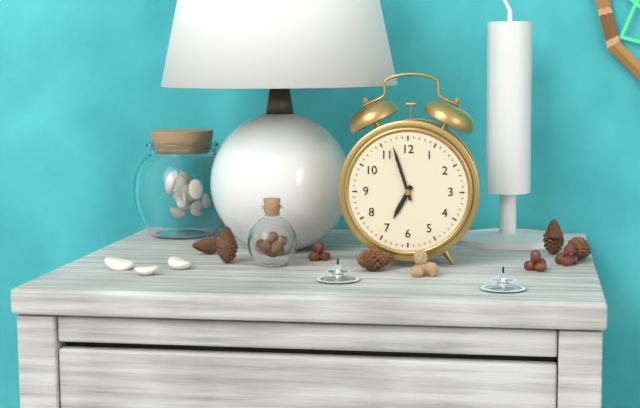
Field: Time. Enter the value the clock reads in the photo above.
6:57
